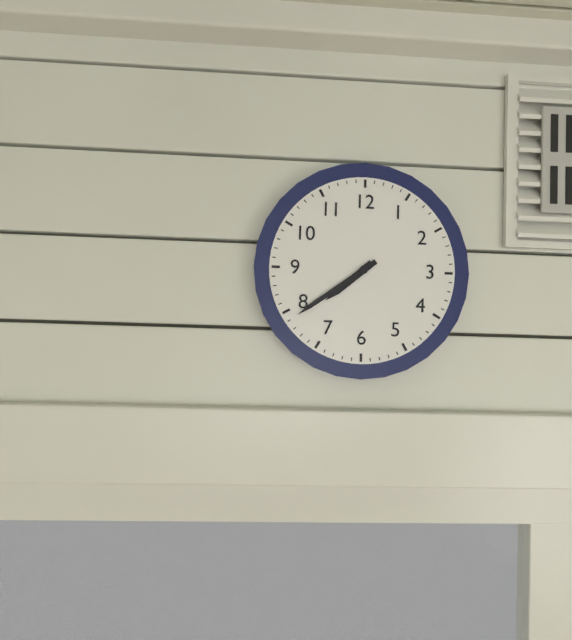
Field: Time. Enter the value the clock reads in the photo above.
7:39
